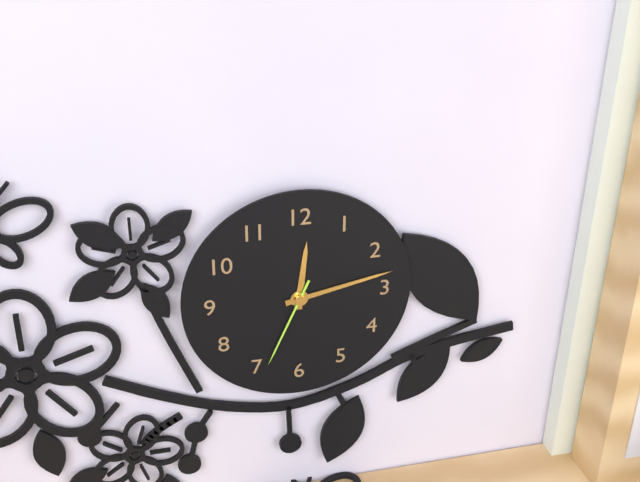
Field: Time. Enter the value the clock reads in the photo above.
12:13:34
